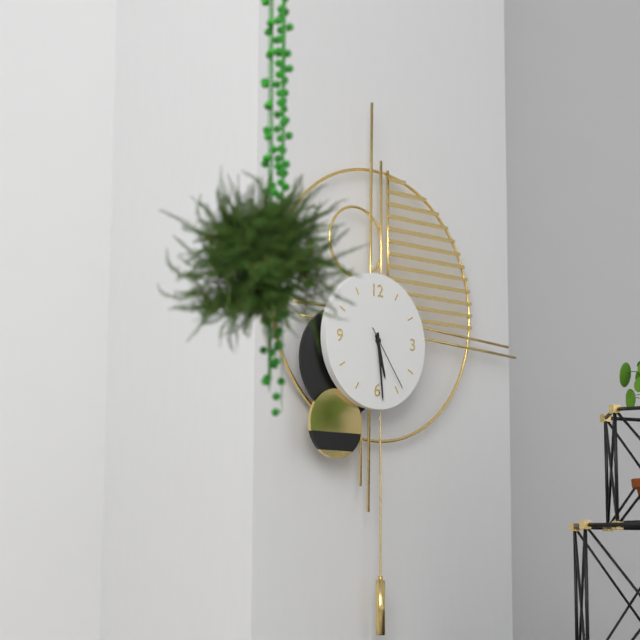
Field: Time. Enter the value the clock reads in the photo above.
5:29:24
